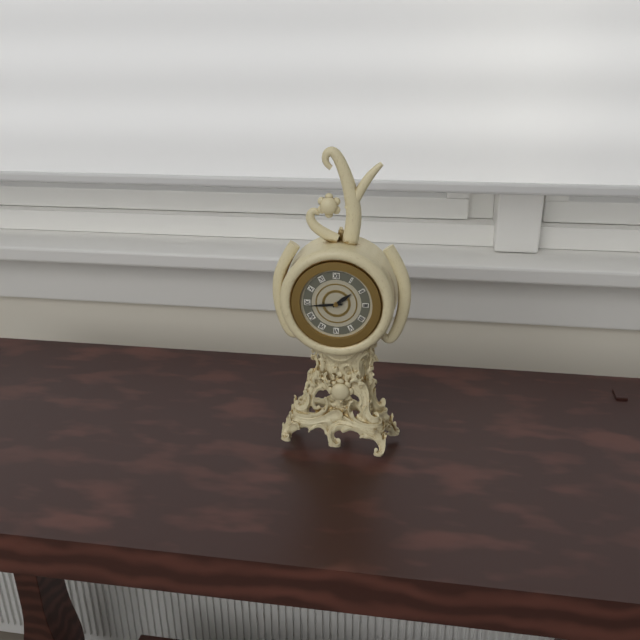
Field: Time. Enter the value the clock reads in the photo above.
1:44
